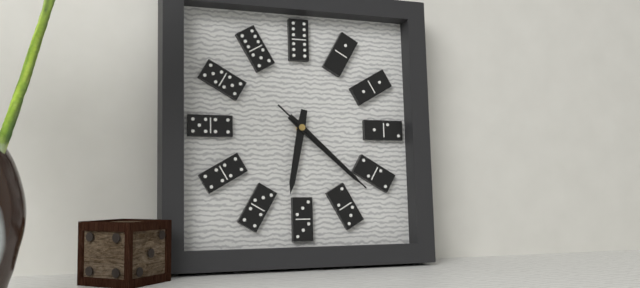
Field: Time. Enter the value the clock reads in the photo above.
6:22:22
